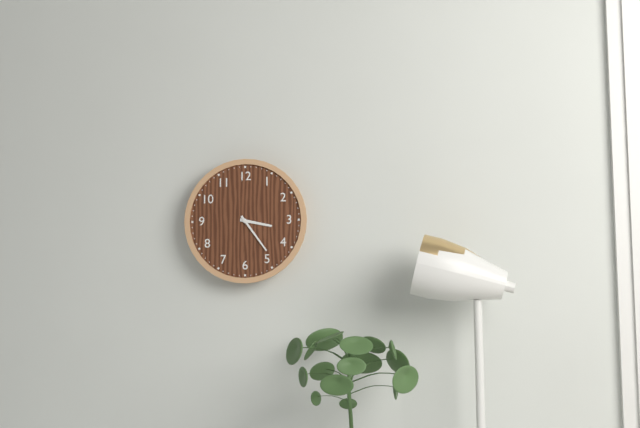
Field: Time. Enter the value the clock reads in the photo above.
3:24
